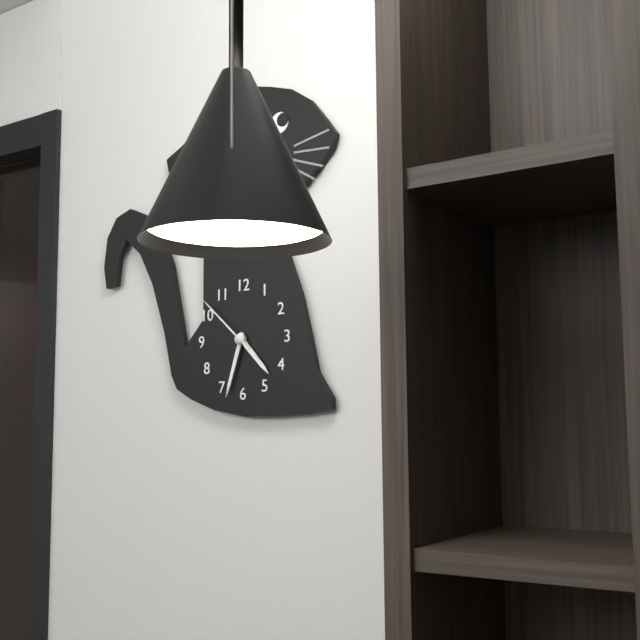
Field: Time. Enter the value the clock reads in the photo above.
4:33:52
